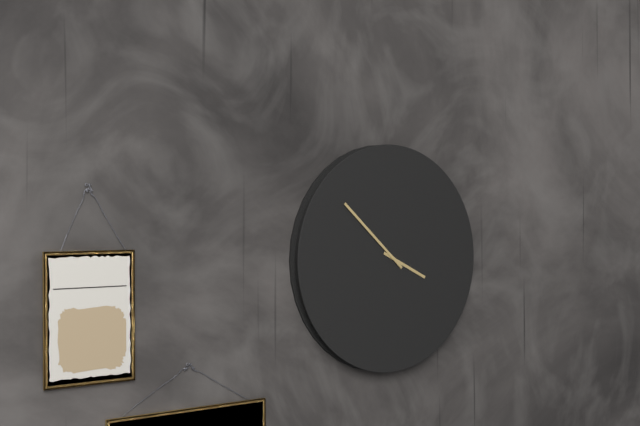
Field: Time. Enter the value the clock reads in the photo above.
3:52
